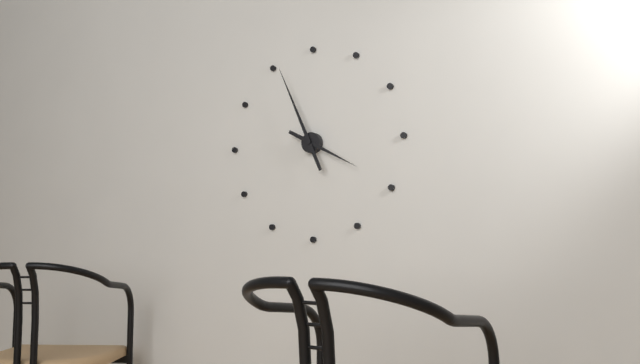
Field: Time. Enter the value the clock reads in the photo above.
3:56
